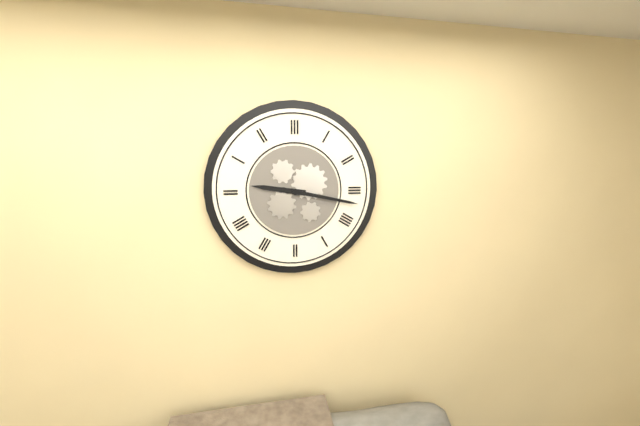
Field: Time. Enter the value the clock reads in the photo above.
9:17
